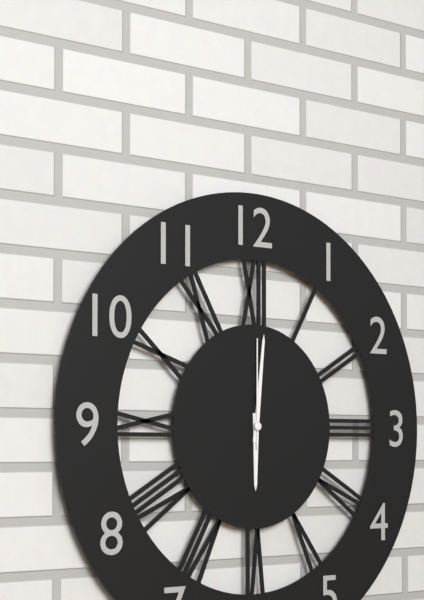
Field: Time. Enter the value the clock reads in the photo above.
6:01:00
